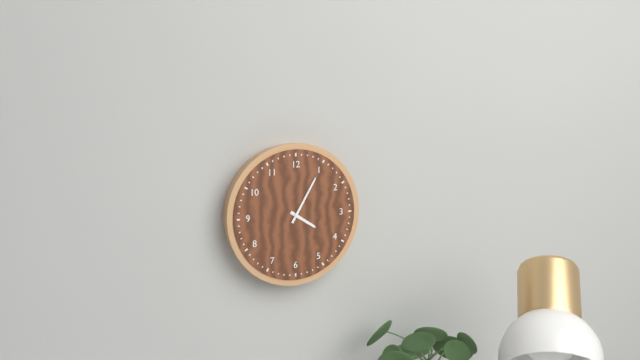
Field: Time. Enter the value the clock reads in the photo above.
4:05
